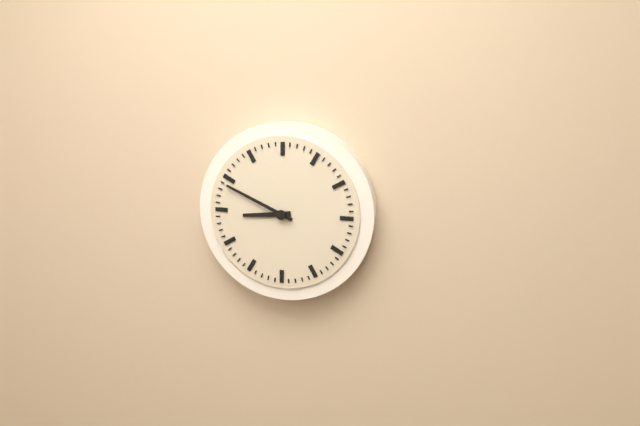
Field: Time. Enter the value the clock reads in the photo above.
8:49
